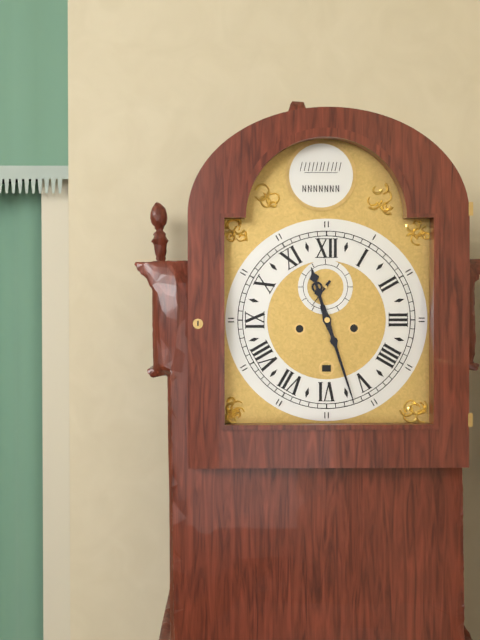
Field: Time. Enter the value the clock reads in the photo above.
11:27
